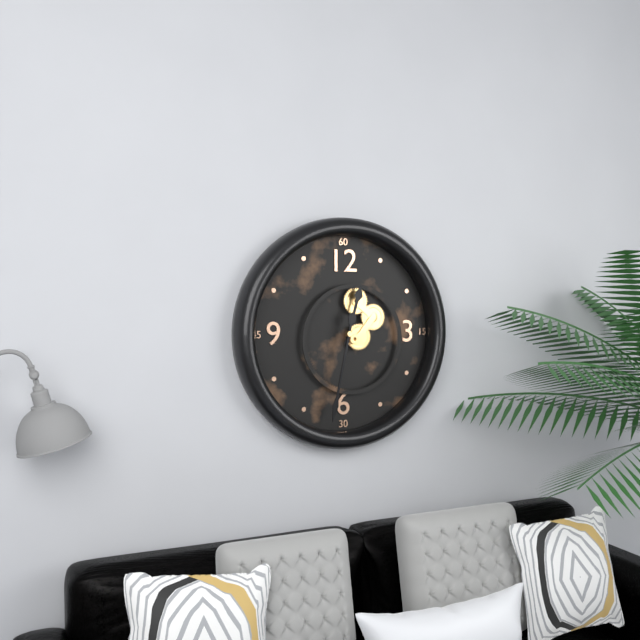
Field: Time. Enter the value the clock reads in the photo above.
12:32
